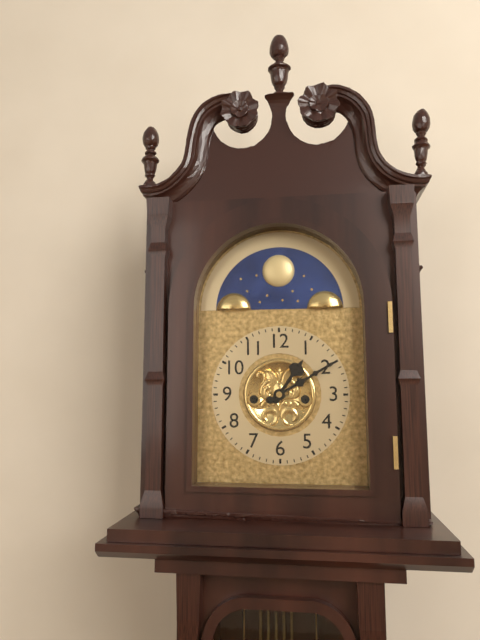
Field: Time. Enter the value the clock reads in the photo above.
1:10
